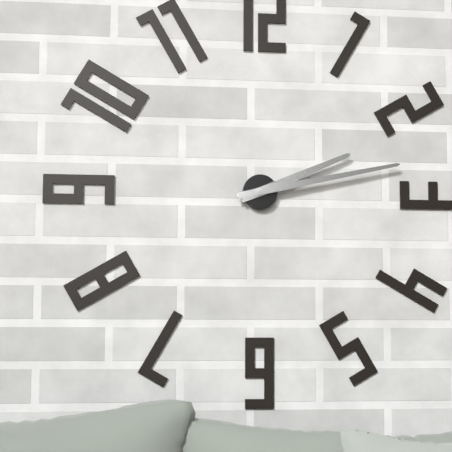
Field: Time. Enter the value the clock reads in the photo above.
2:13
